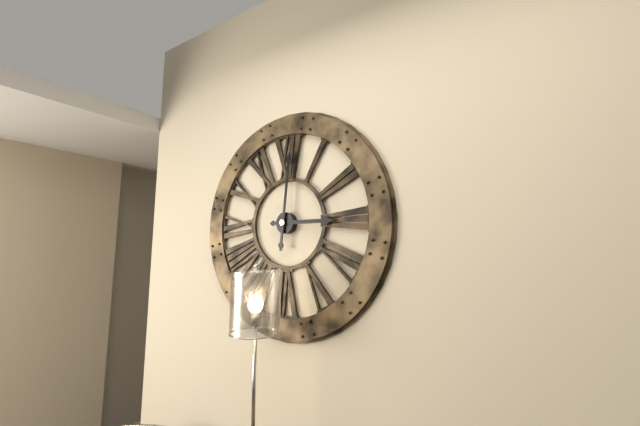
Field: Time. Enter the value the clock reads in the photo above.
3:01
